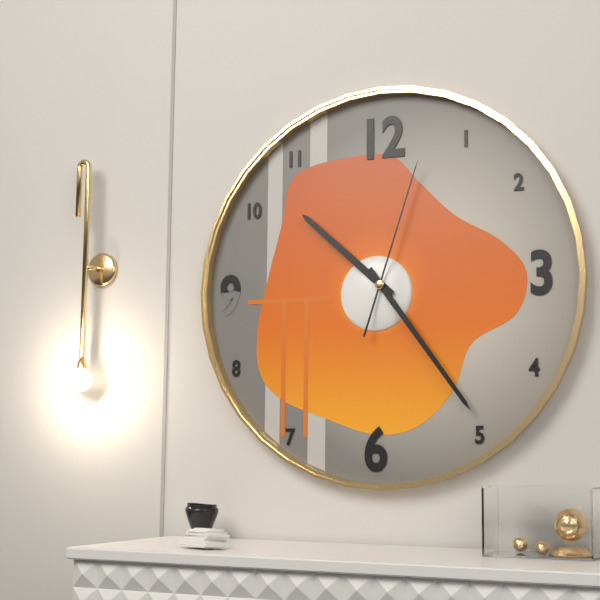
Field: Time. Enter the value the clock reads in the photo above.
10:24:03
